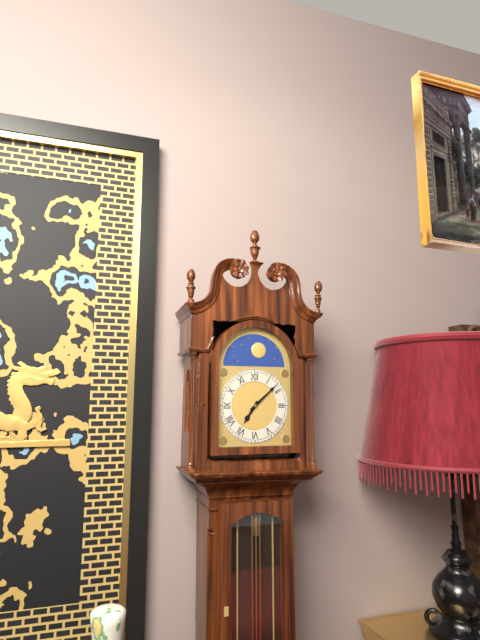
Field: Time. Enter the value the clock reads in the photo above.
7:08
